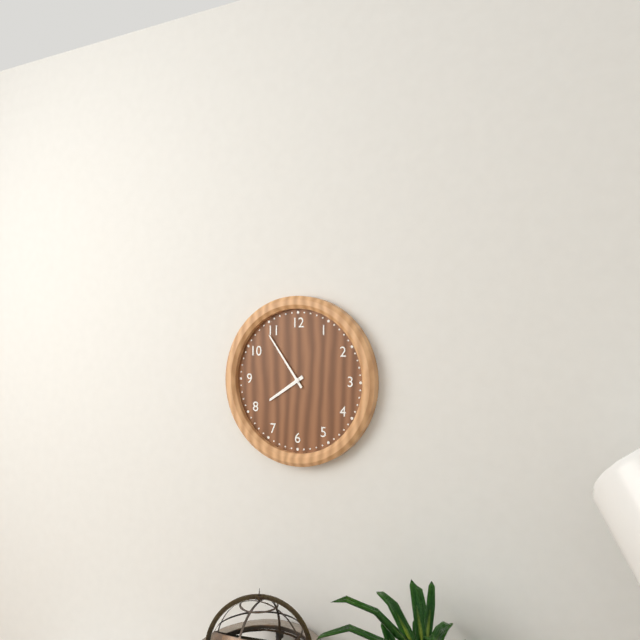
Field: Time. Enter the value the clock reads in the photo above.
7:54
